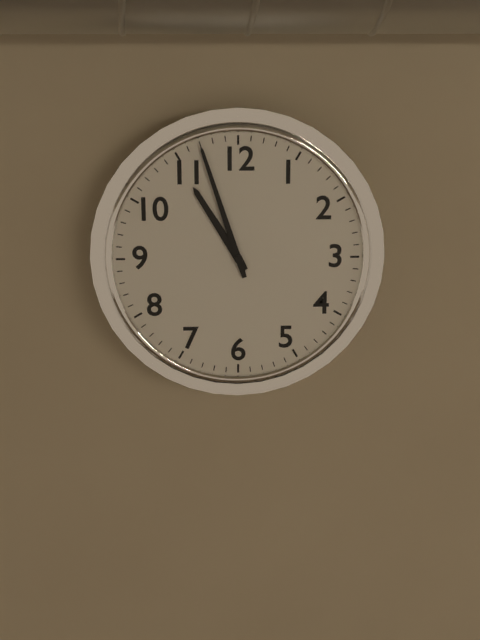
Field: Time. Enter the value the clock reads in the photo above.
10:57
